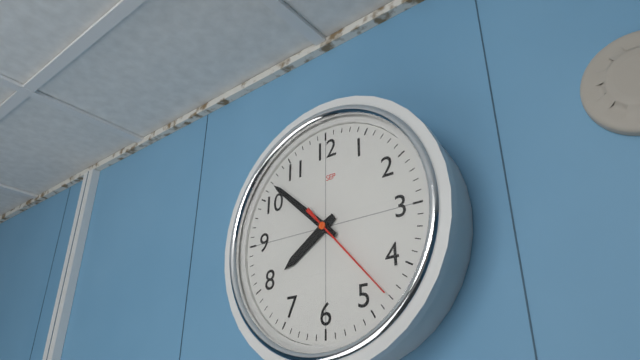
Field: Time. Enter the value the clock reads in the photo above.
7:52:23
